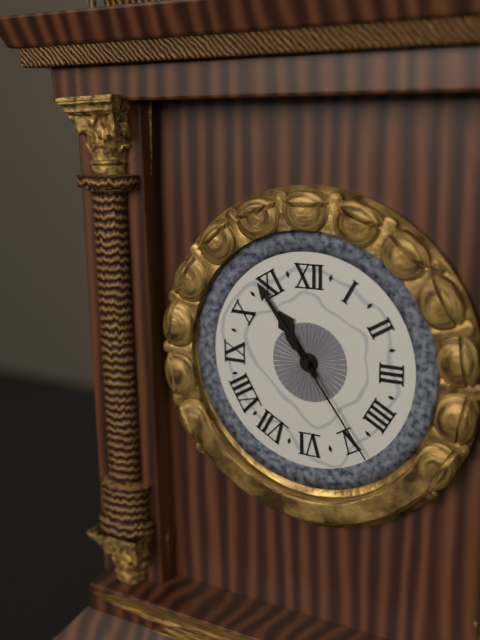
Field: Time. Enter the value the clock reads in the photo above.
10:54:24
